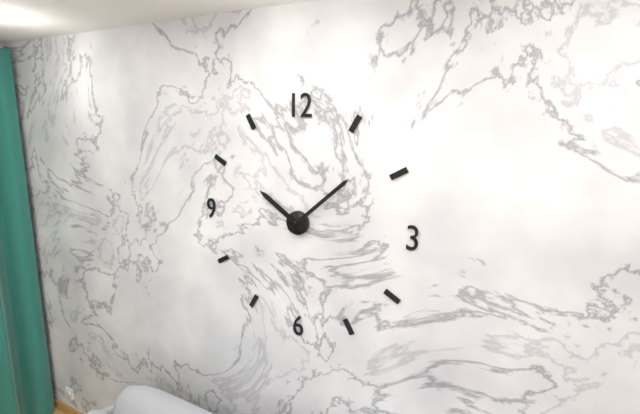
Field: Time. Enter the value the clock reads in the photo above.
10:08
